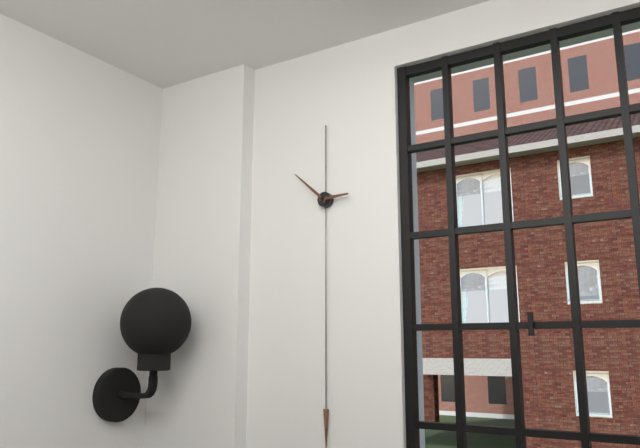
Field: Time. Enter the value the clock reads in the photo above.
2:52
